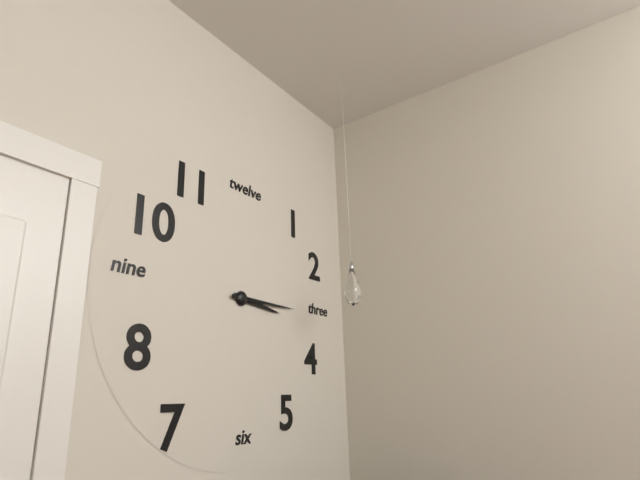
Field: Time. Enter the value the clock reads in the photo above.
3:15
